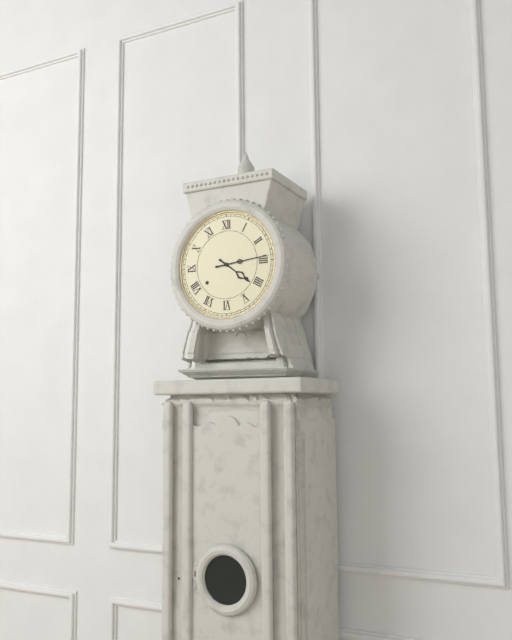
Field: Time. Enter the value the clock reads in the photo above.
4:14
